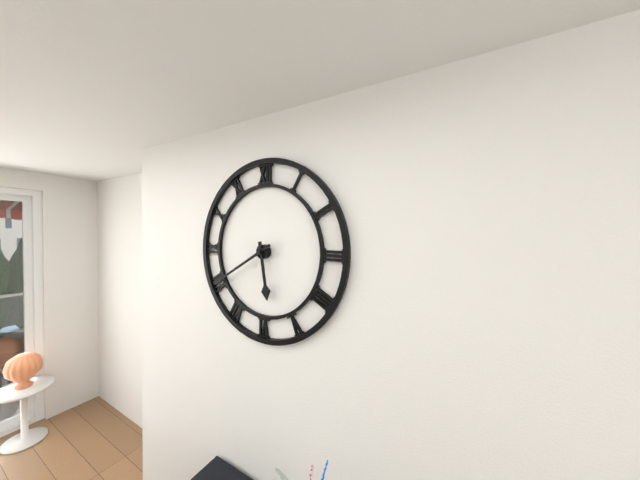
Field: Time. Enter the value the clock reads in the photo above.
5:40
